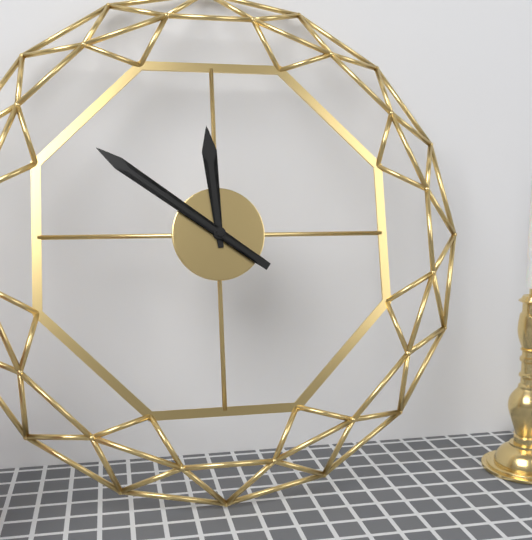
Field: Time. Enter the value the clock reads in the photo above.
11:51
